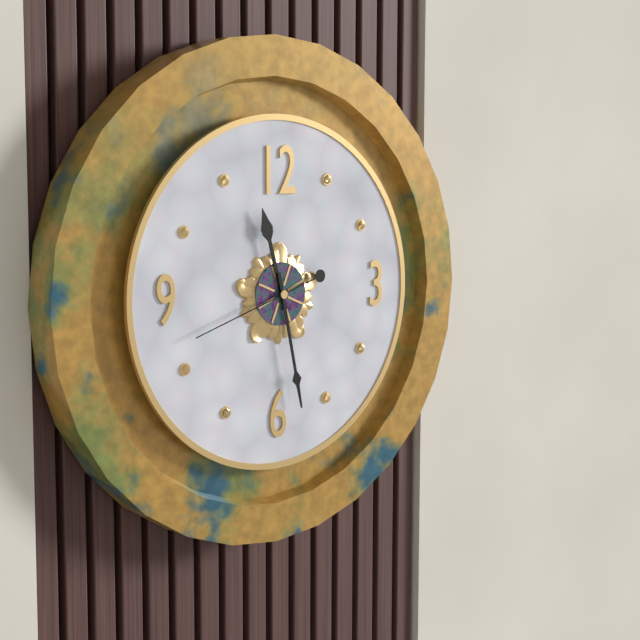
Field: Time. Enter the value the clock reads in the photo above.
11:28:42
